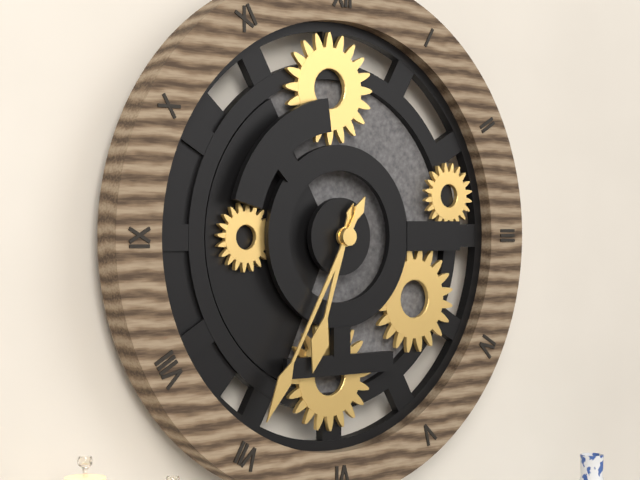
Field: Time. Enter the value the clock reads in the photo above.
6:35
